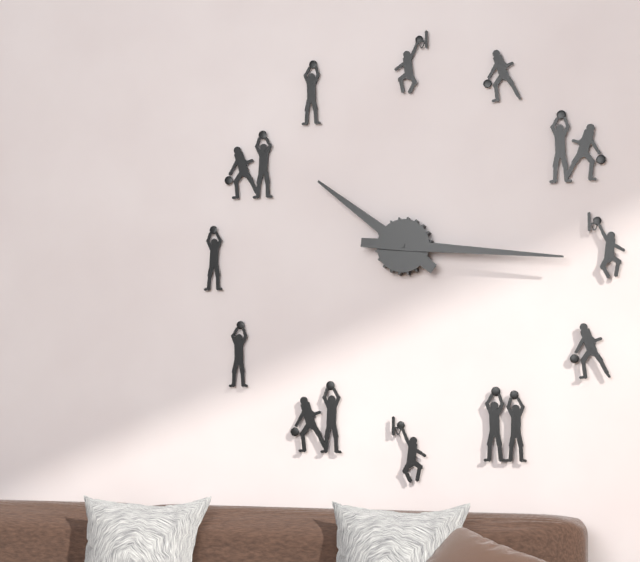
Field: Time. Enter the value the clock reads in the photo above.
10:16
